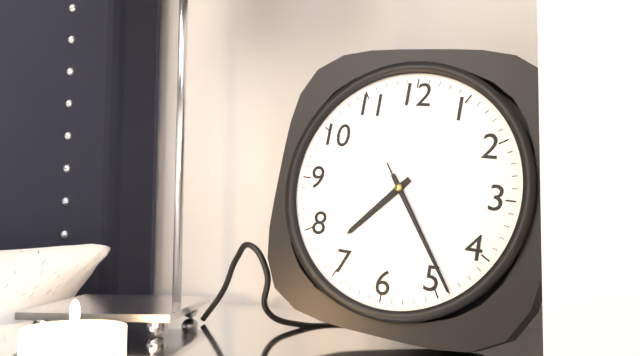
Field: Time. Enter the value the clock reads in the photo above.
7:24:24
